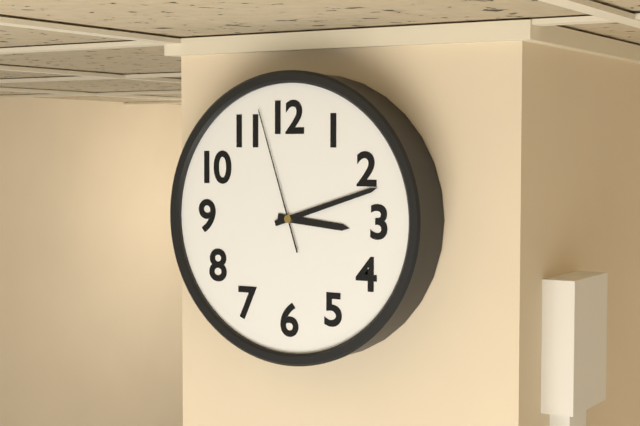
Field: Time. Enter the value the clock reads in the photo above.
3:12:57
